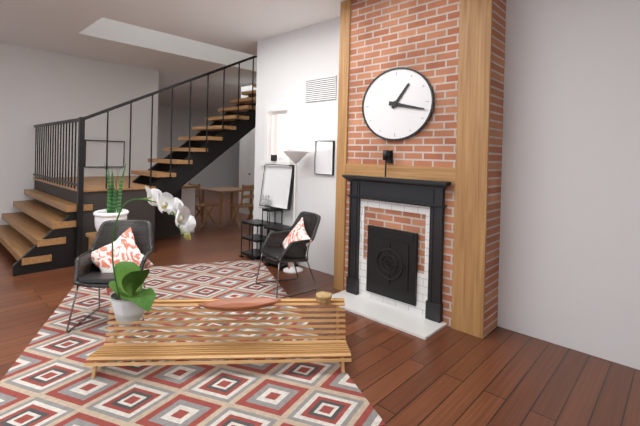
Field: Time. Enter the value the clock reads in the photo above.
1:17
